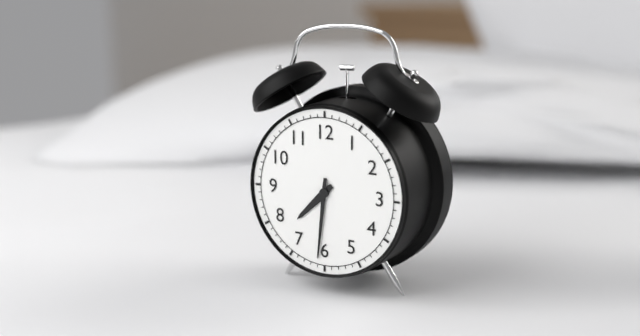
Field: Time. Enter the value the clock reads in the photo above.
7:31
